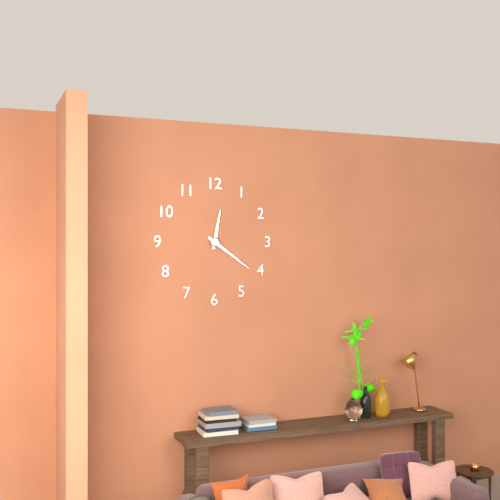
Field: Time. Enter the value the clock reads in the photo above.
12:21
